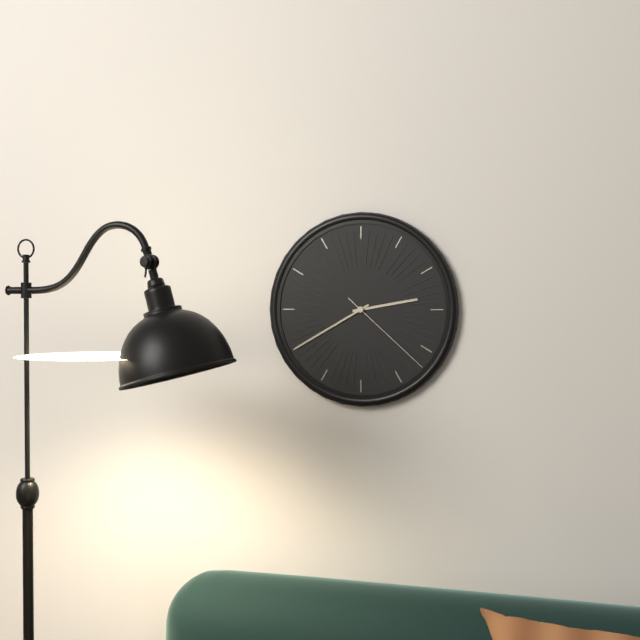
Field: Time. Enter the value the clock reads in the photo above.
2:40:22
